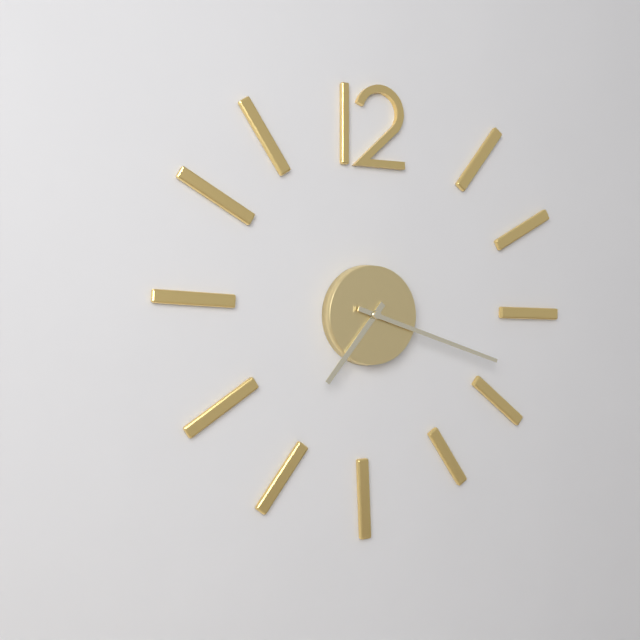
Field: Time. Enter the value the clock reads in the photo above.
7:18
